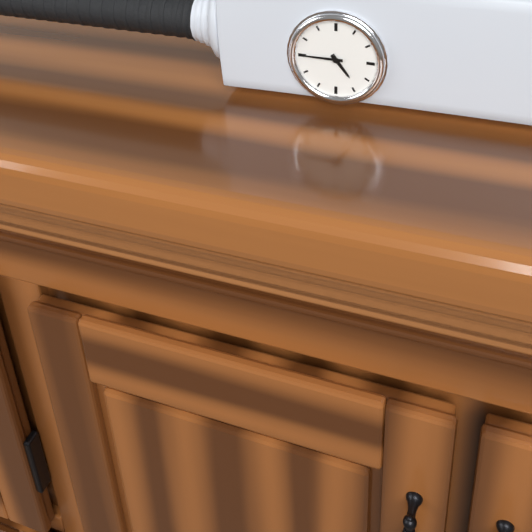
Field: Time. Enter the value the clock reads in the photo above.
4:45
